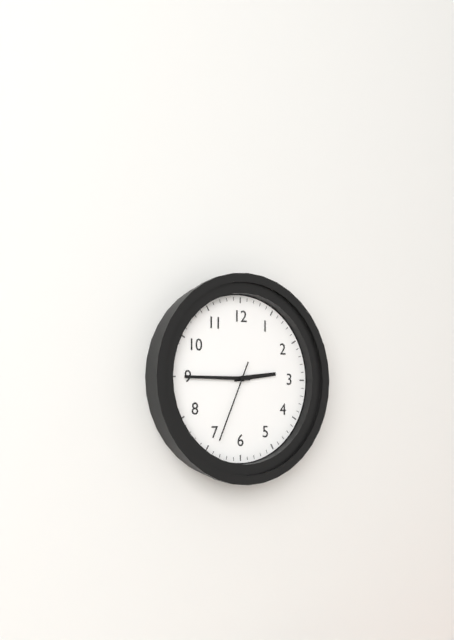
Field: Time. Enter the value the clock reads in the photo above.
2:45:34
